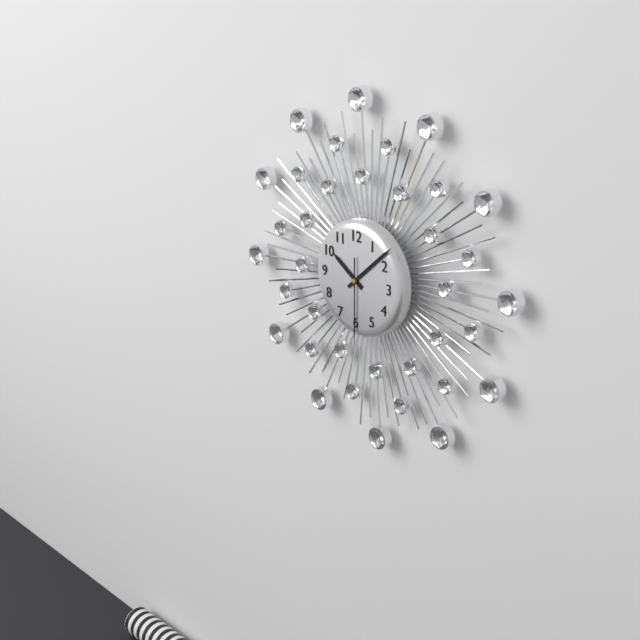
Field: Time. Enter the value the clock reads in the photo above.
10:08:30
